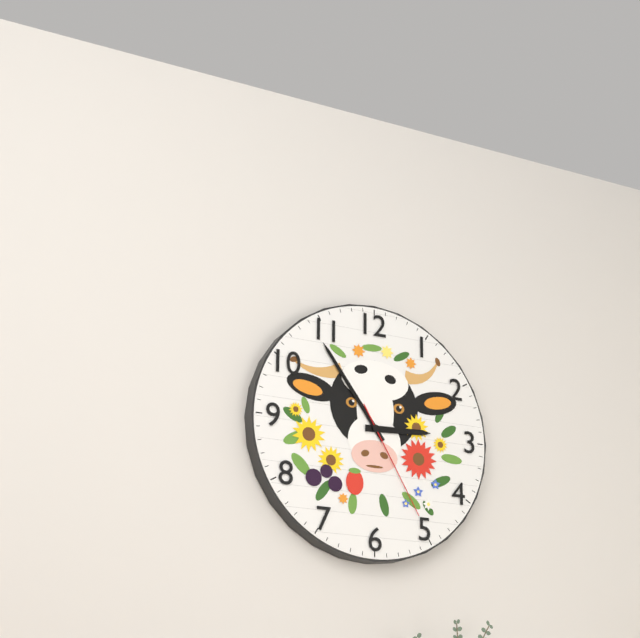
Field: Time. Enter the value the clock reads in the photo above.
2:54:25
